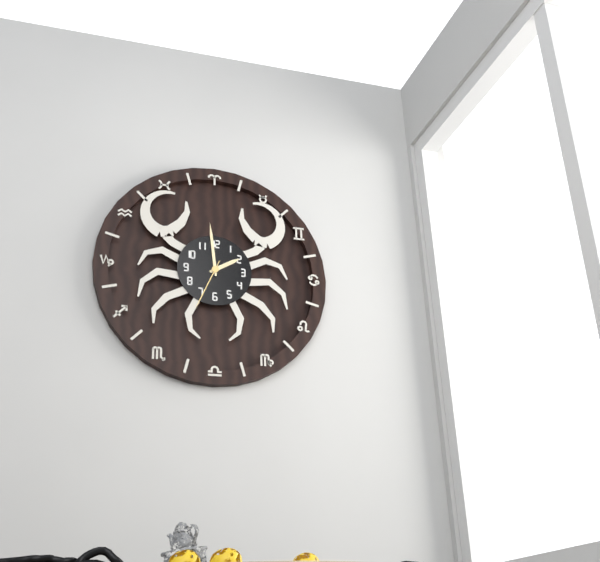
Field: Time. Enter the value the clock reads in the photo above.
1:59:34
